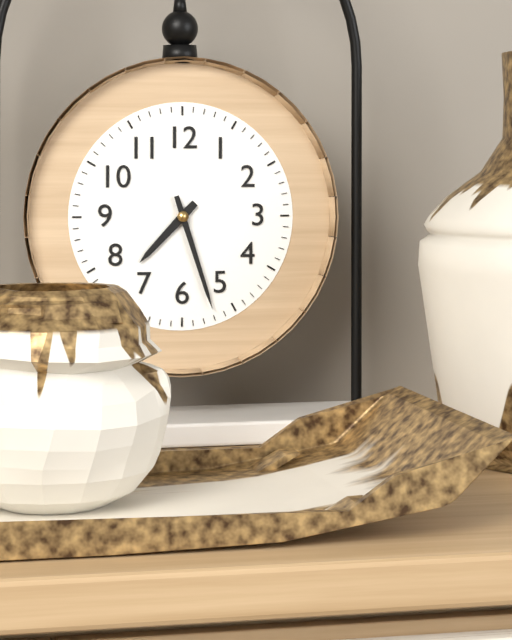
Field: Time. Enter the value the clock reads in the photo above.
7:27
